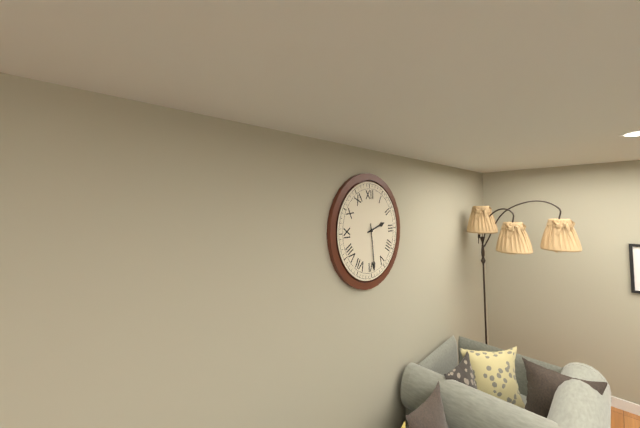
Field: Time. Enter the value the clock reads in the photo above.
2:29
